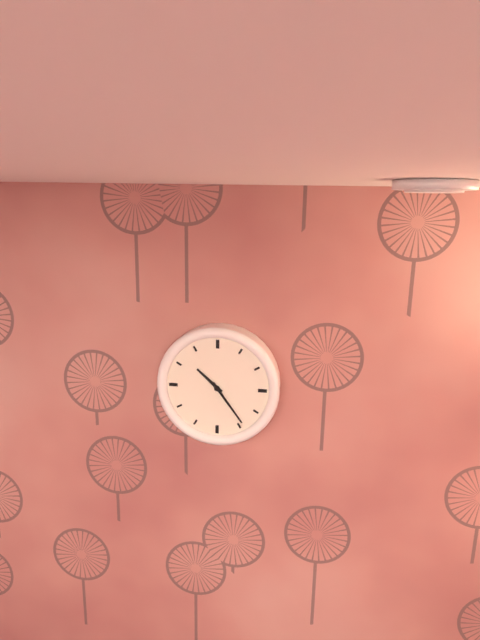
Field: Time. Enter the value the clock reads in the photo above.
10:24
